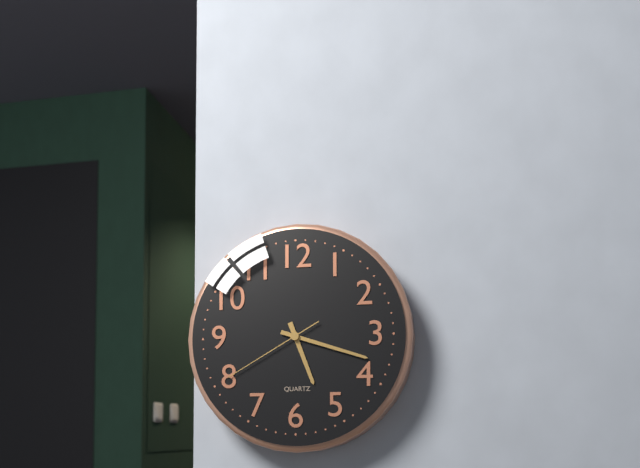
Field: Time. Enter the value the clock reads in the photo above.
5:18:40
